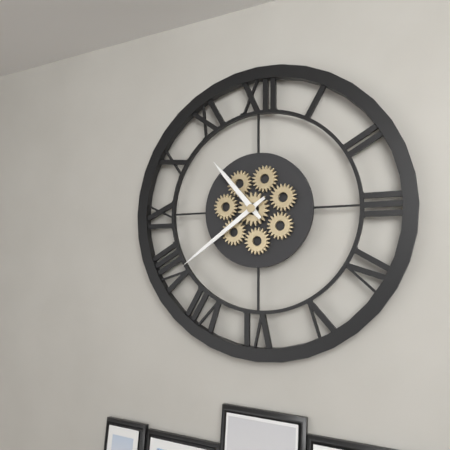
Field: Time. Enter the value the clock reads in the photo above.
10:39
